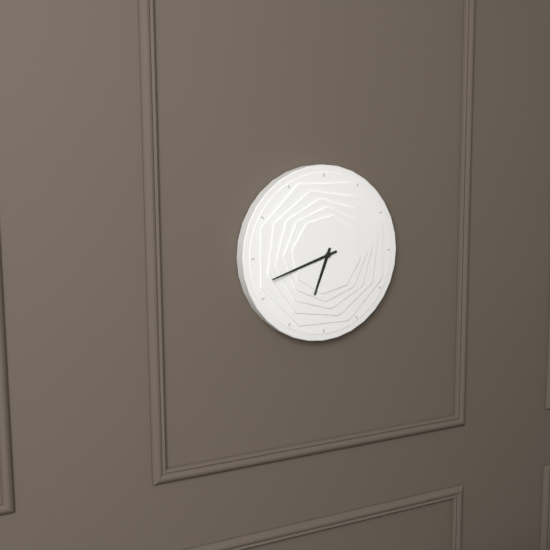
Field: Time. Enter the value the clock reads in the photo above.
6:42
